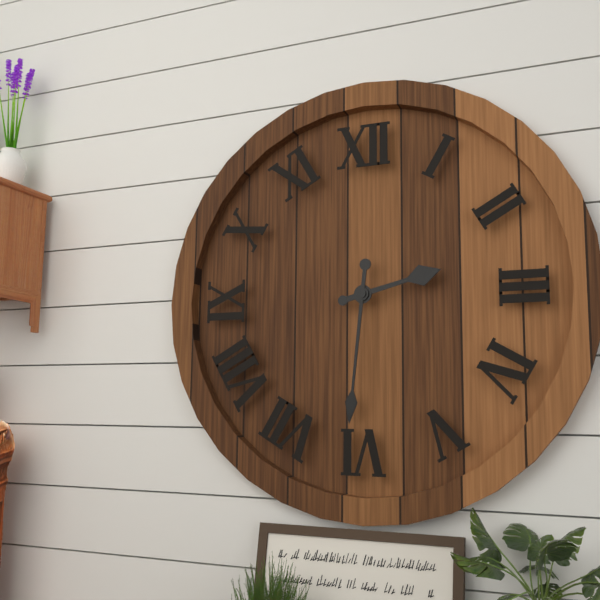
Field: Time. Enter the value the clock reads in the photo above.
2:31
